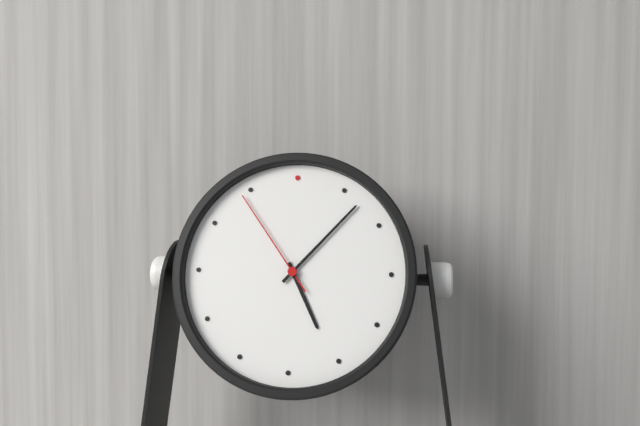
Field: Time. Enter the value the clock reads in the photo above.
5:07:54
